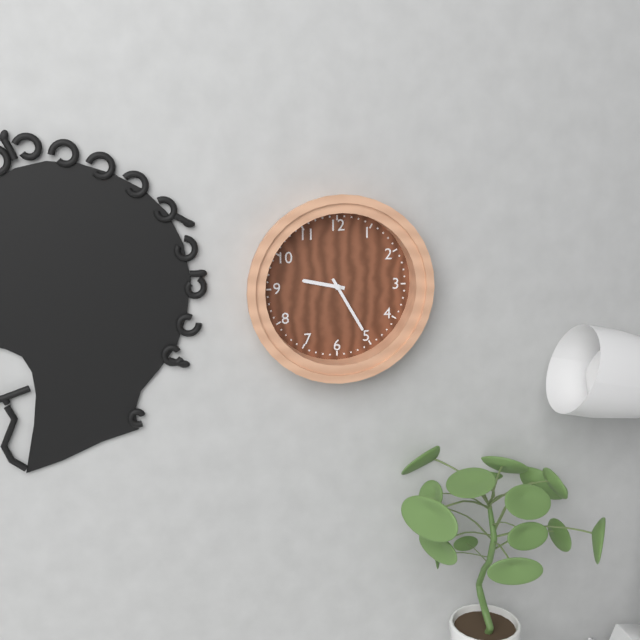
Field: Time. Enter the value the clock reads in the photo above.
9:25
